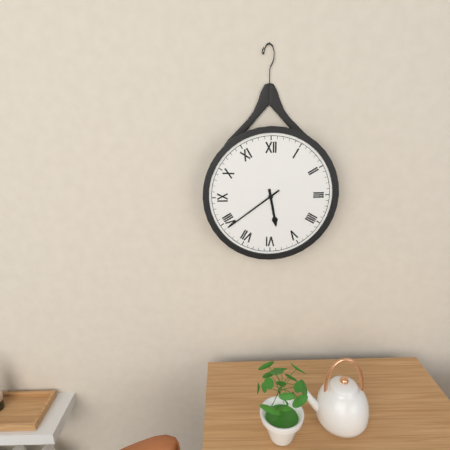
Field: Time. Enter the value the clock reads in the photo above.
5:39
